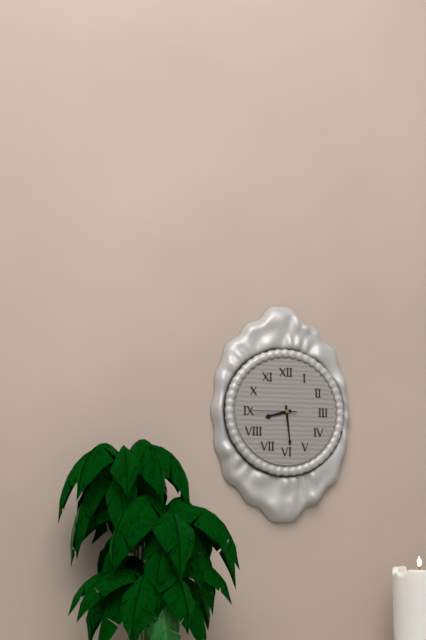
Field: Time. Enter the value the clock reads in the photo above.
8:29
